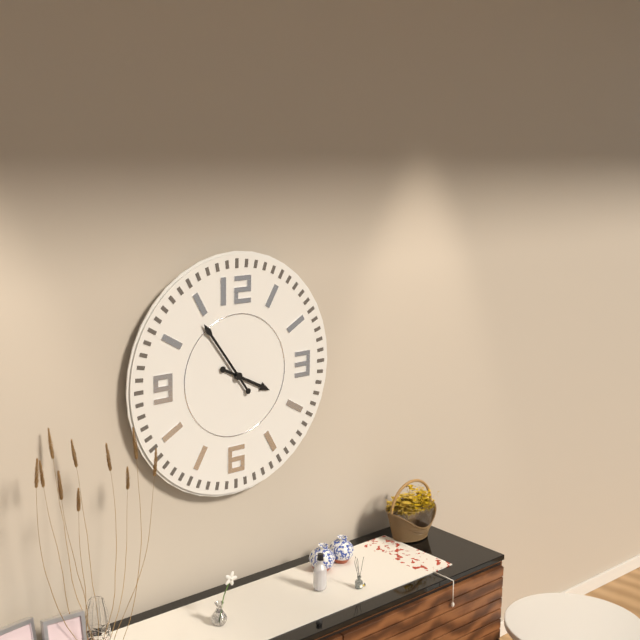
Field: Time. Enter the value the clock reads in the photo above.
3:54
